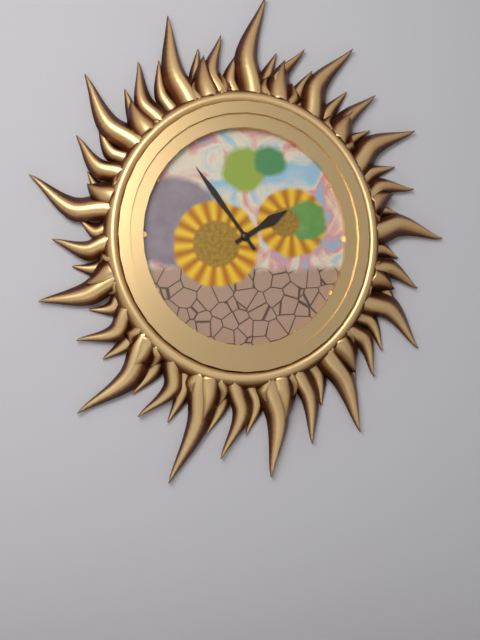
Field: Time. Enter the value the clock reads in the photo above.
1:54
